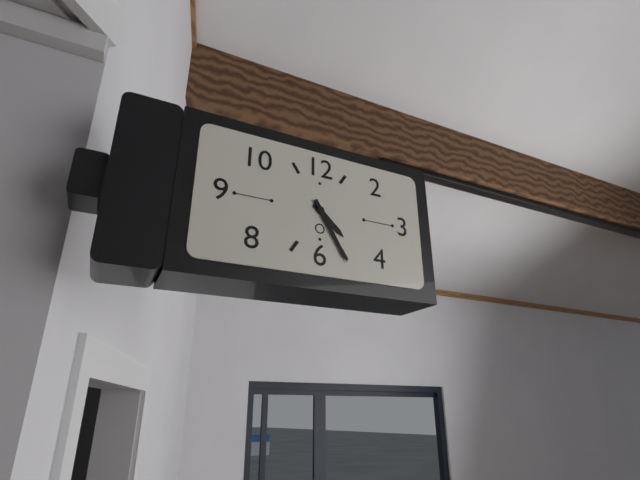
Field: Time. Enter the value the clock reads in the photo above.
4:25
